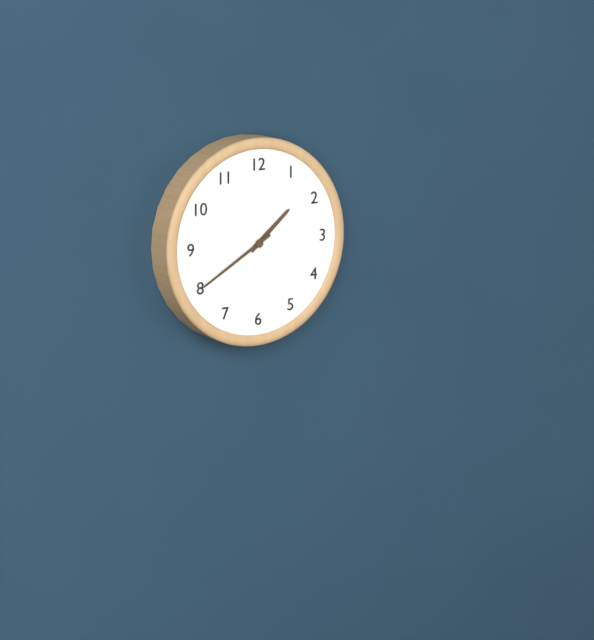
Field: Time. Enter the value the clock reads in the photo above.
1:40
